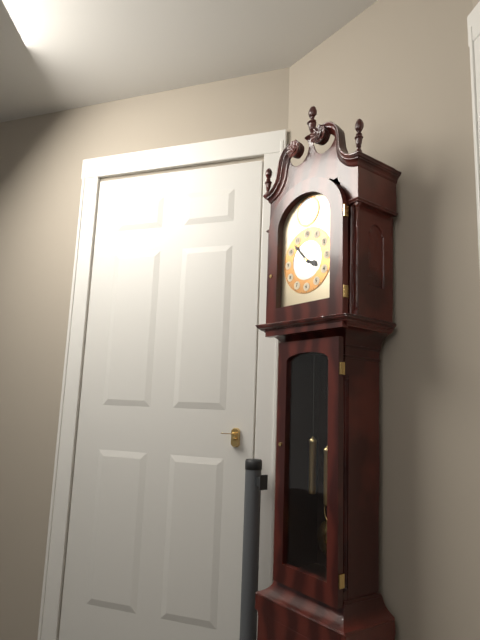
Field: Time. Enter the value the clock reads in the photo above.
3:53
